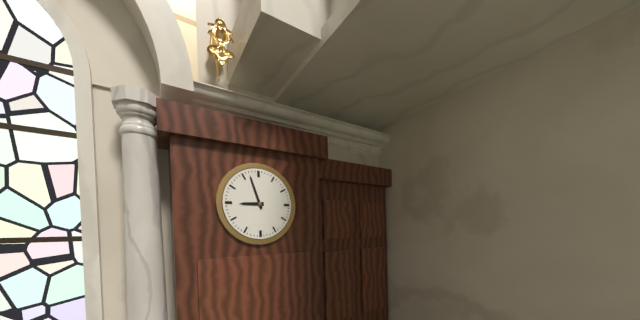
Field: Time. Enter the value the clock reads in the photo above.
8:57
